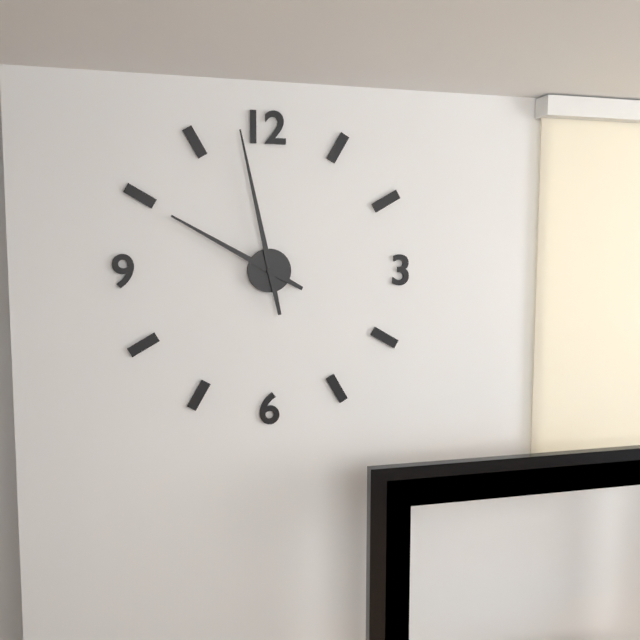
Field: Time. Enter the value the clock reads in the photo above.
9:58
